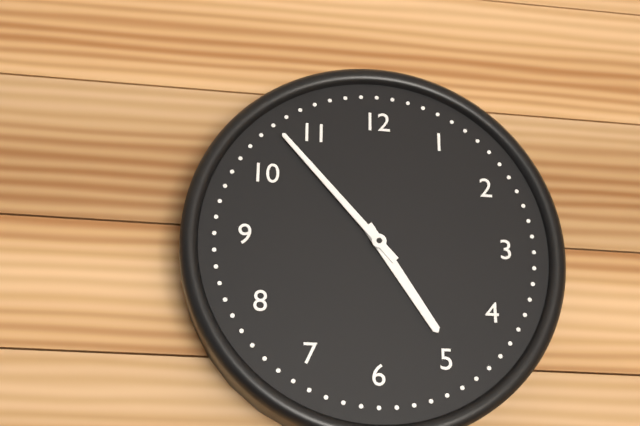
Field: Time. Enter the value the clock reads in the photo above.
4:53
